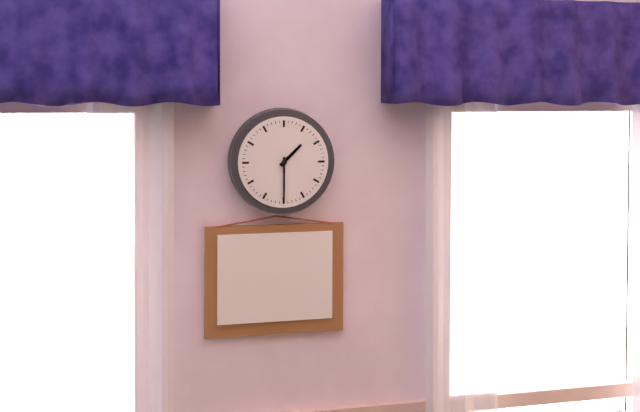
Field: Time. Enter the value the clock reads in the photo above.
1:30
